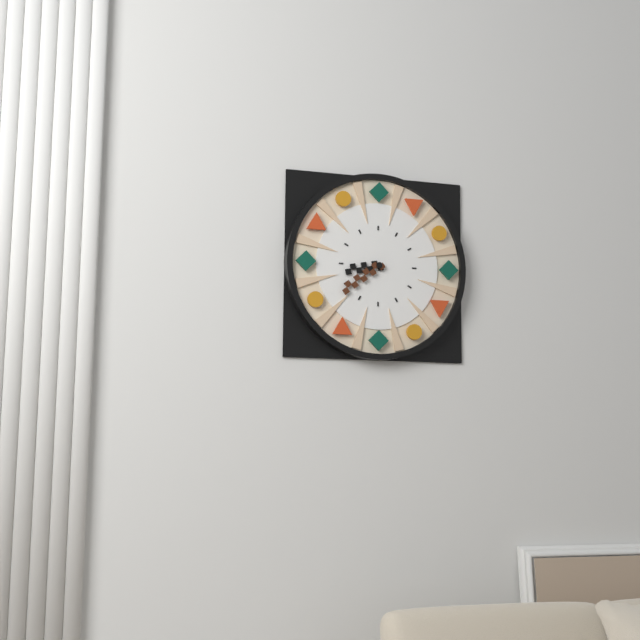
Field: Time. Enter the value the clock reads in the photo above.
8:39
